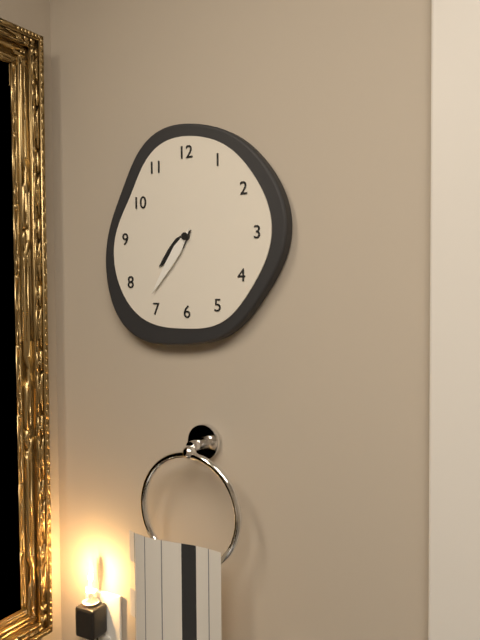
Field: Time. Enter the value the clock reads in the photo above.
7:36
